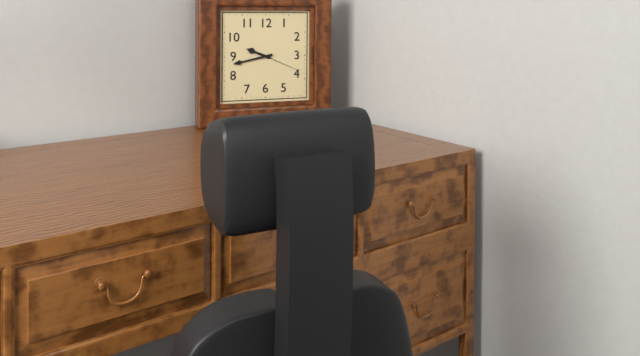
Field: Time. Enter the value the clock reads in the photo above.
9:43
